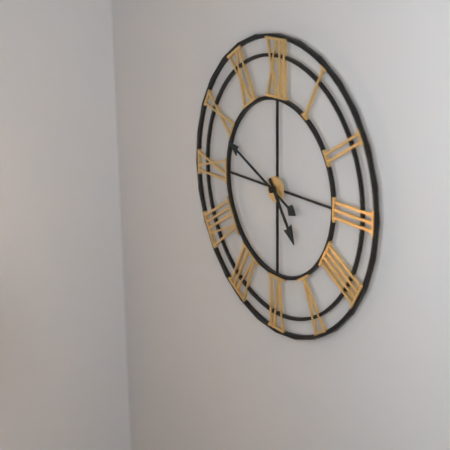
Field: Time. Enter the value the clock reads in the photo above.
4:49
